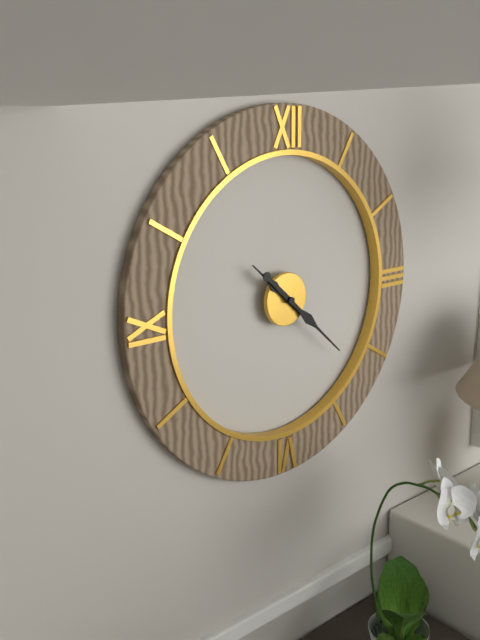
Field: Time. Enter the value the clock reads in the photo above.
10:22
